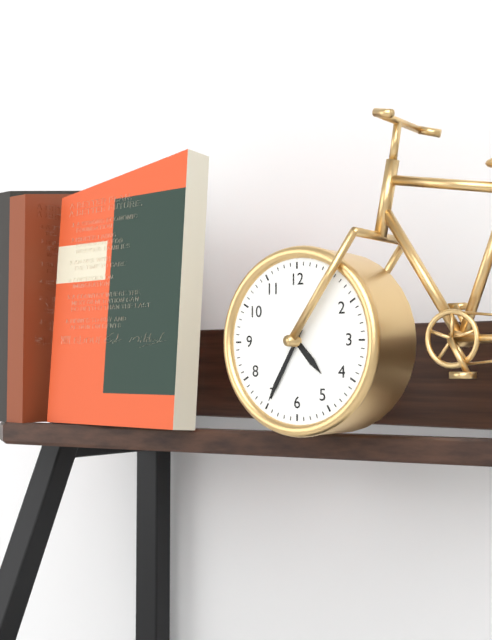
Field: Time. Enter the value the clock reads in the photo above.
4:35
